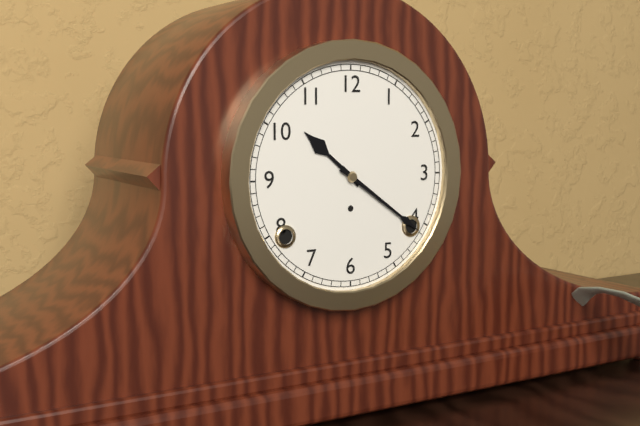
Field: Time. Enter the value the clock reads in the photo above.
10:21
